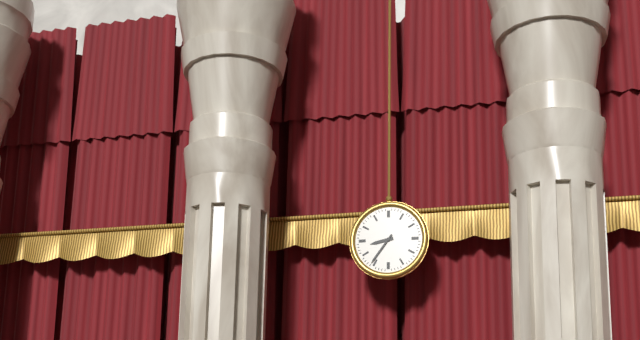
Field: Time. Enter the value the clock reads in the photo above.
8:36
